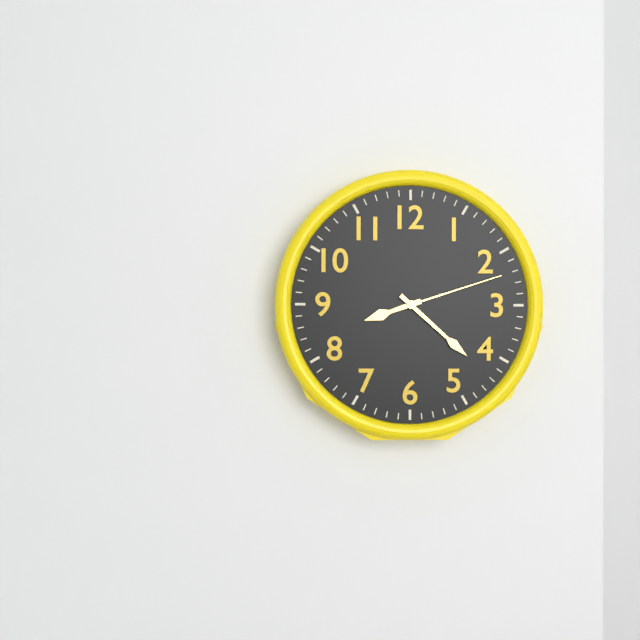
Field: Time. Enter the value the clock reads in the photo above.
8:22:12
